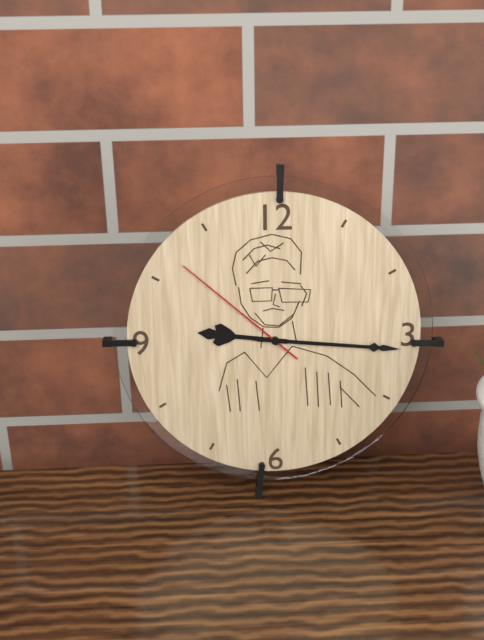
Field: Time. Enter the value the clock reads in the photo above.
9:16:52
